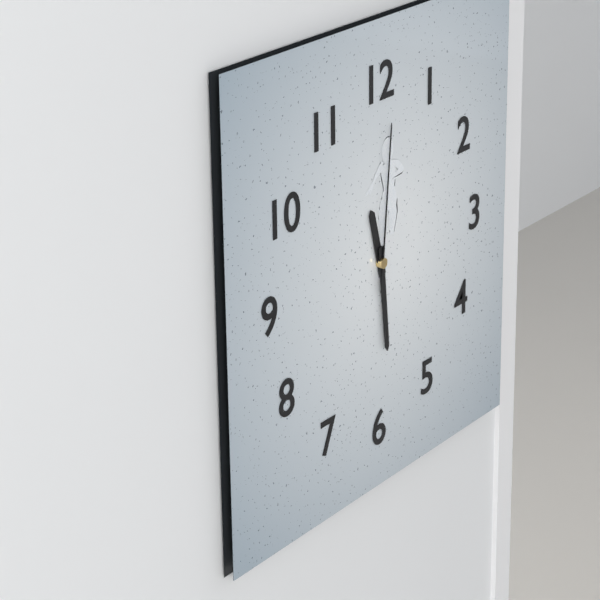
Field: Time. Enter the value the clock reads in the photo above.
11:29:01
